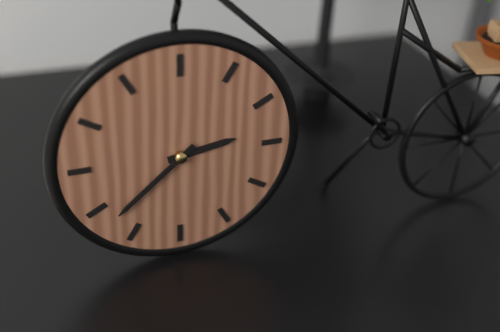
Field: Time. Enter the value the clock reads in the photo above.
2:38
